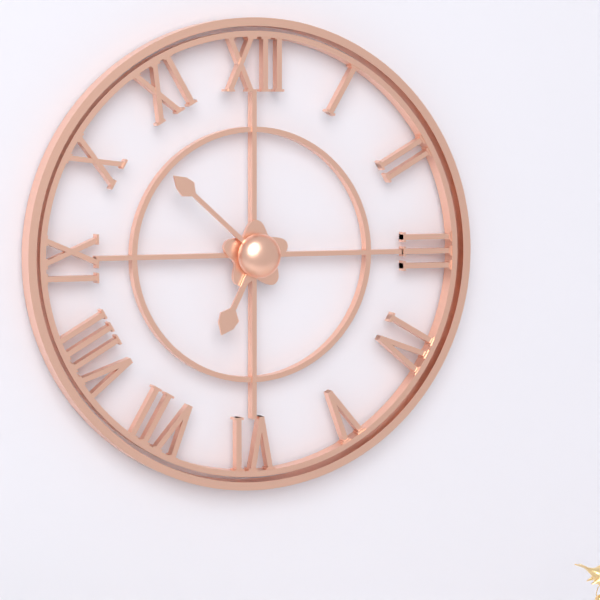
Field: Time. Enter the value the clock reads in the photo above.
6:52
